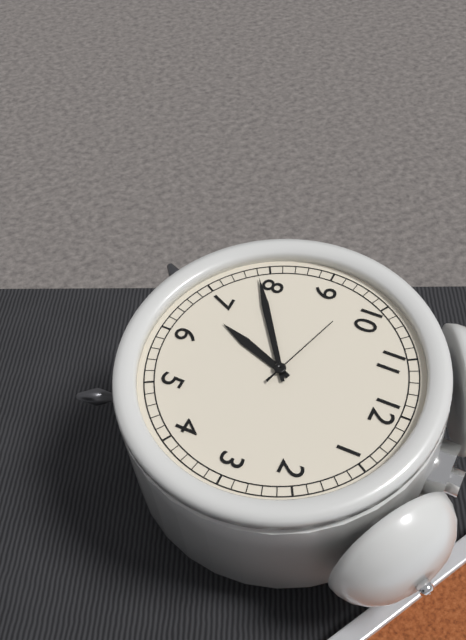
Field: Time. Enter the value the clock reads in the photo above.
6:39:48
